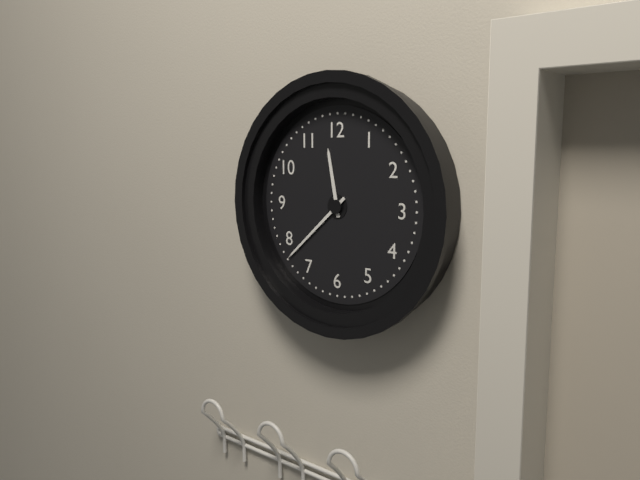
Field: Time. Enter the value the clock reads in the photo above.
11:38
